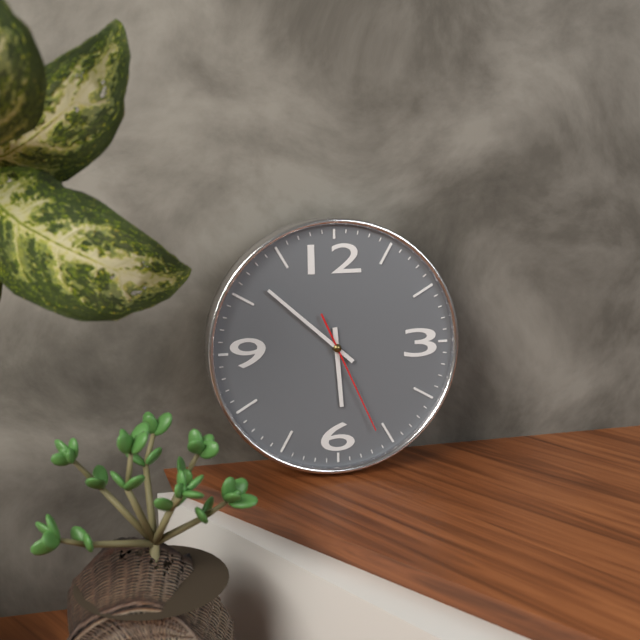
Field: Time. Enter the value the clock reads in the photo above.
5:52:26
